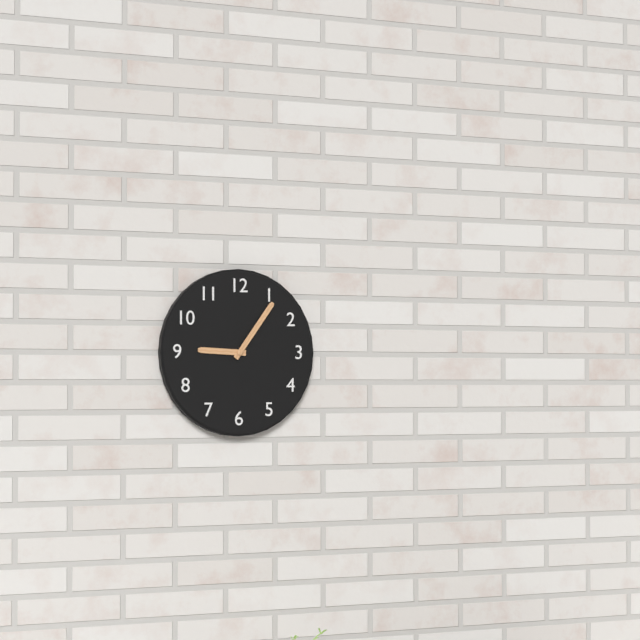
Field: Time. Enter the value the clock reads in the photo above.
9:06
